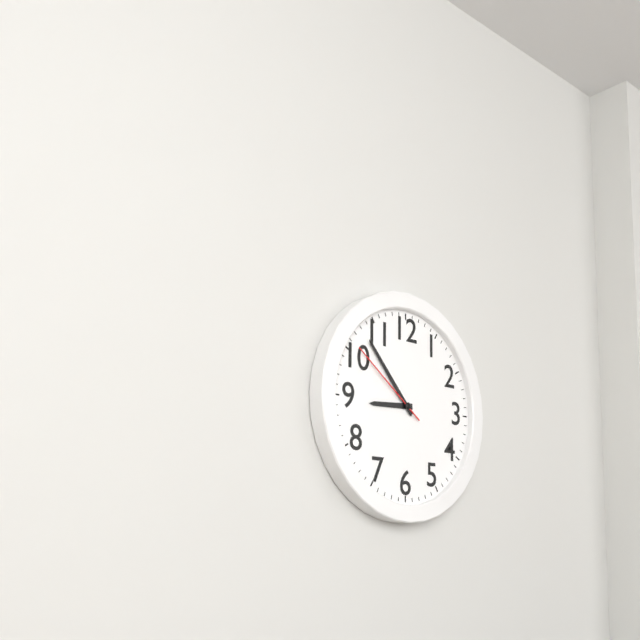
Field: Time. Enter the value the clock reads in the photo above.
8:53:51
